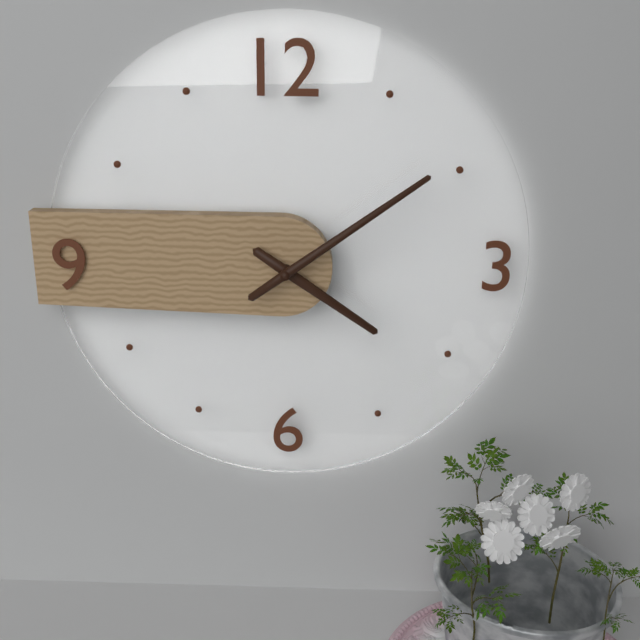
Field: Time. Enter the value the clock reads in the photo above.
4:09
